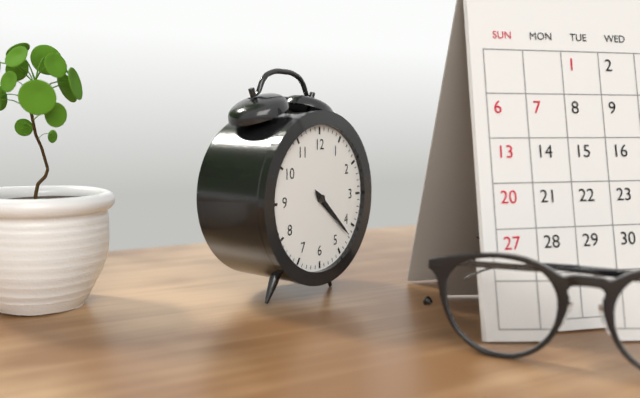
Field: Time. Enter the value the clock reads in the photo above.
4:22
